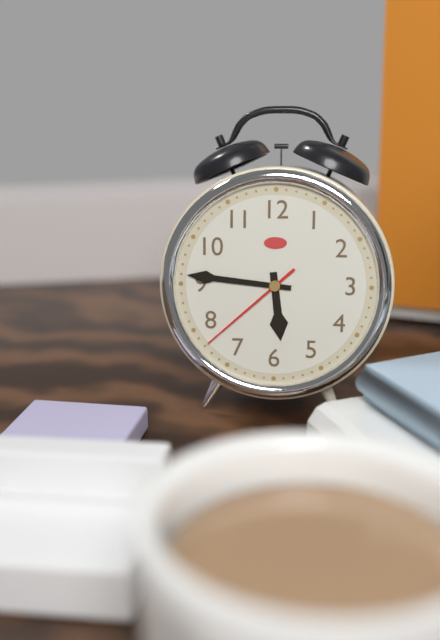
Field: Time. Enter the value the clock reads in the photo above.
5:46:38
